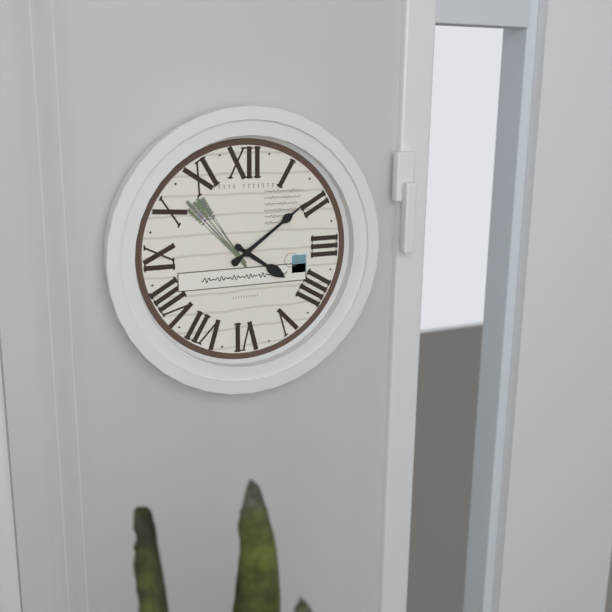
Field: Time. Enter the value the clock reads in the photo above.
4:09
